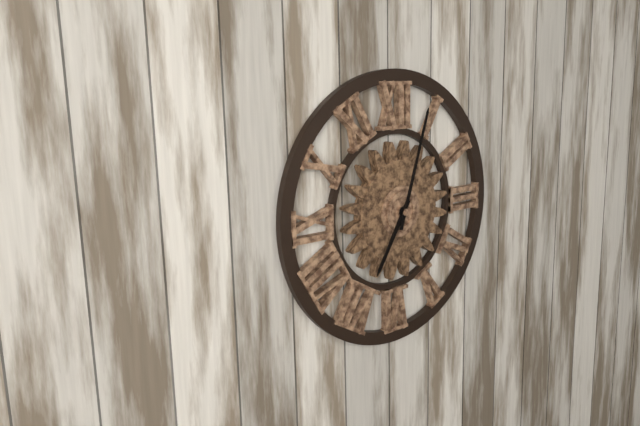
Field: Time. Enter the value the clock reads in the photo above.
7:03
